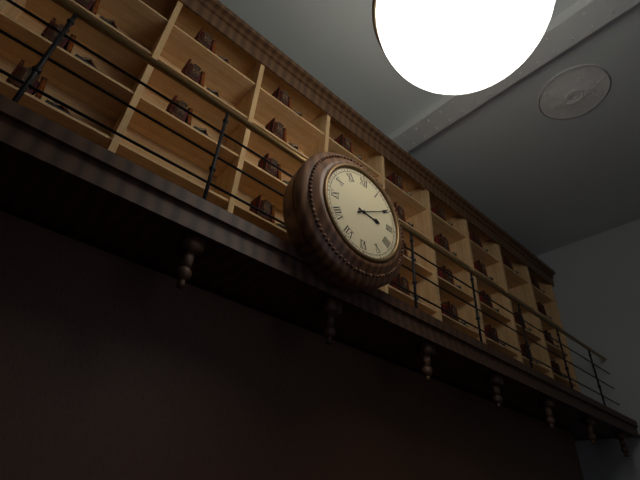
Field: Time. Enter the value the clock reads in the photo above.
3:10
